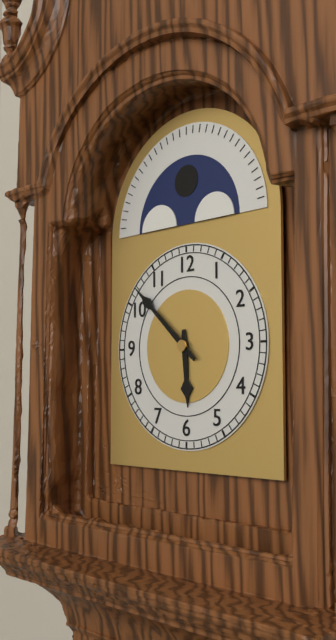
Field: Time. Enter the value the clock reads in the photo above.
5:52
